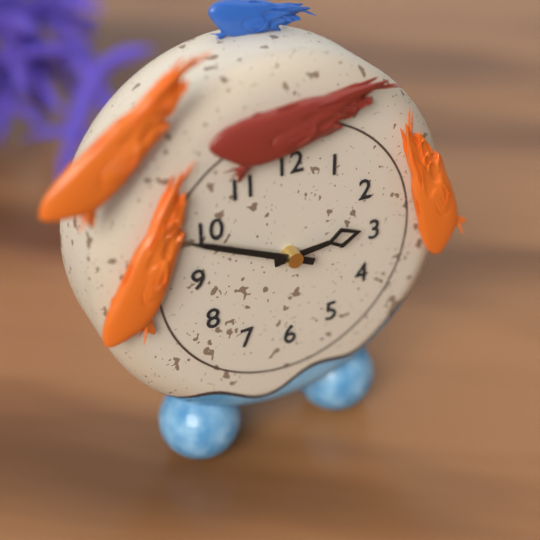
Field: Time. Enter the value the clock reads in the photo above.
2:49
